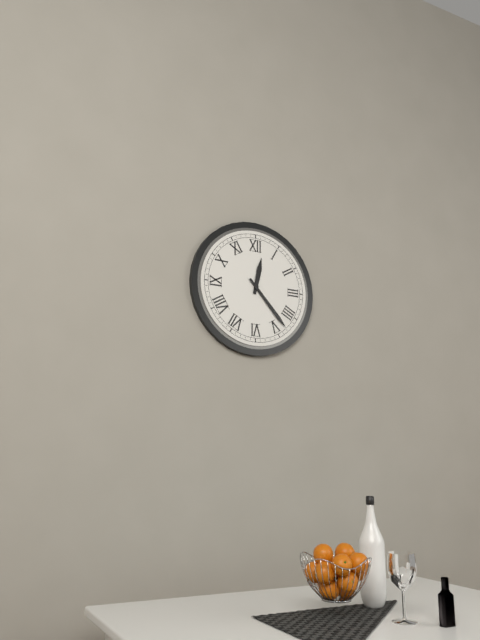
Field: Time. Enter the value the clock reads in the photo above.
12:23
